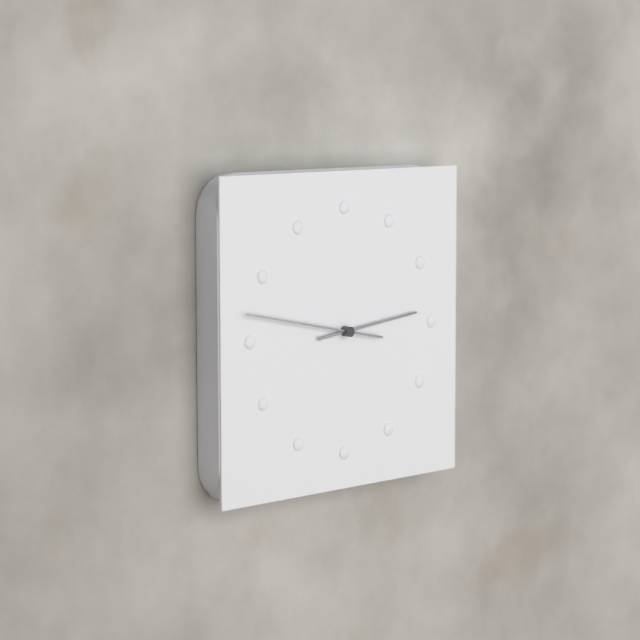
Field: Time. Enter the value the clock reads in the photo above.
2:47
